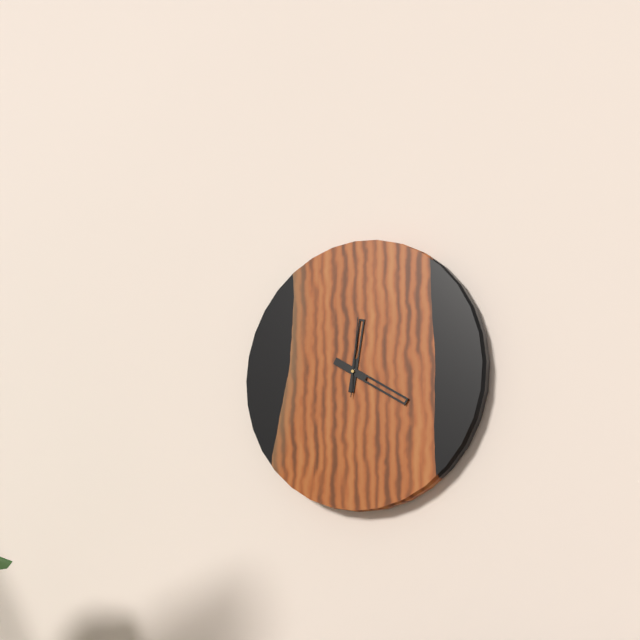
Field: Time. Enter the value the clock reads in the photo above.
12:20:01
